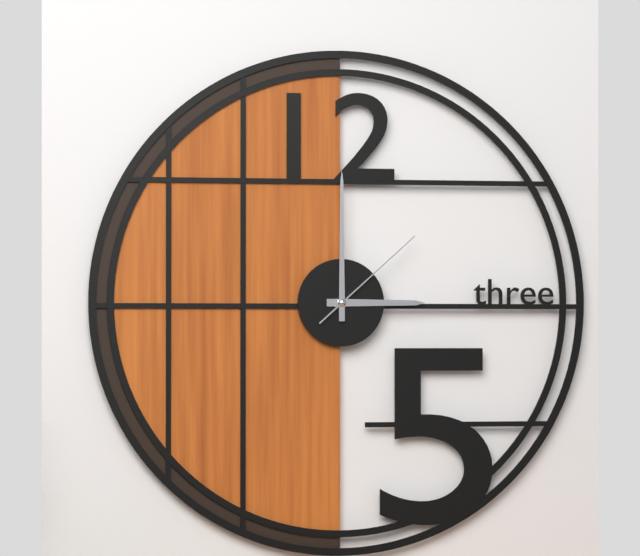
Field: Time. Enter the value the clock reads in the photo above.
3:00:08
